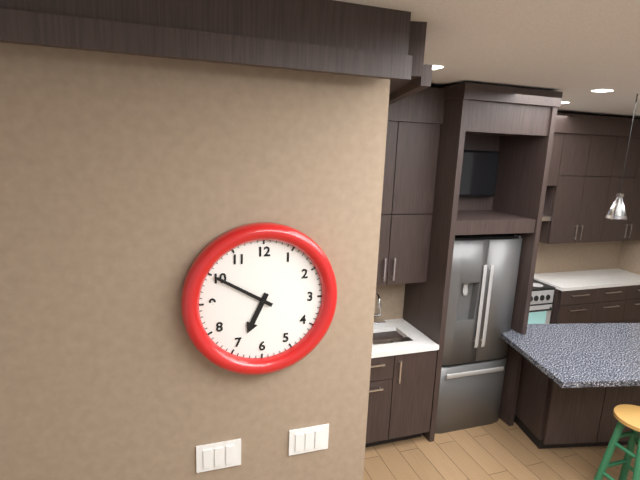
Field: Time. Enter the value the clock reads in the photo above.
6:50
